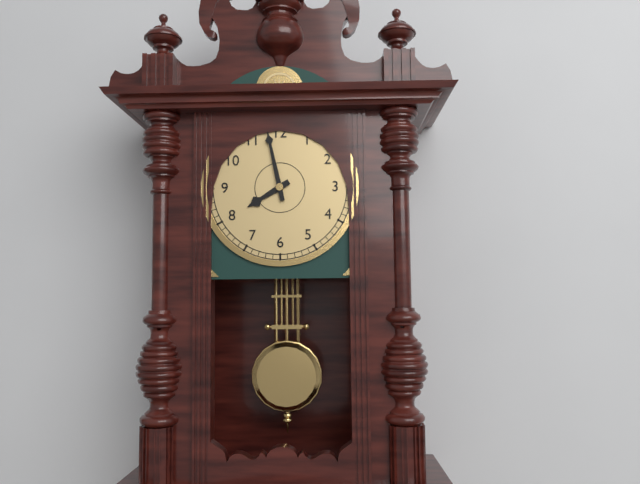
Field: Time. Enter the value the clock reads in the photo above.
7:58
